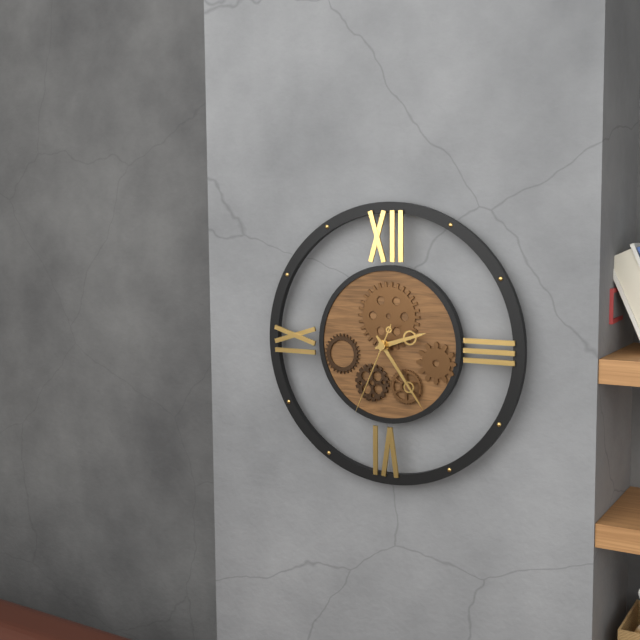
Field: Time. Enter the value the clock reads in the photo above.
2:24:34
